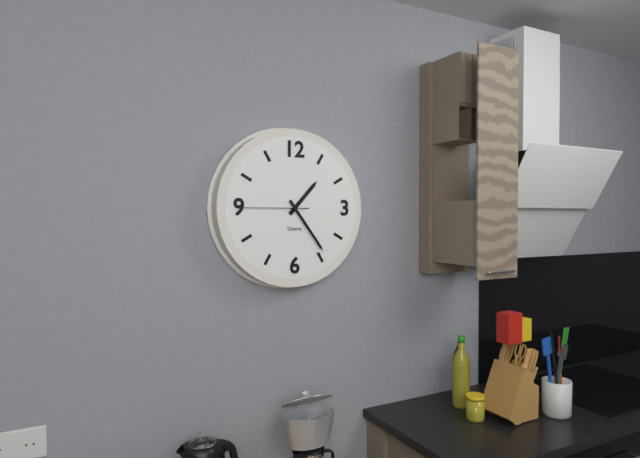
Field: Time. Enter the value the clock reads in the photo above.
1:24:45
